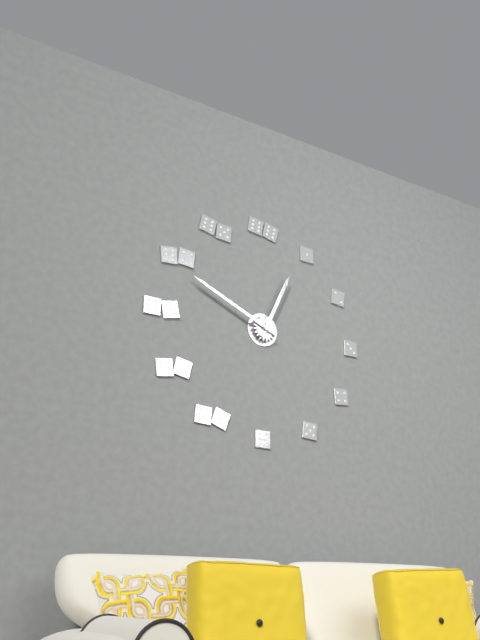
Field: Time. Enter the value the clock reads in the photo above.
12:49
